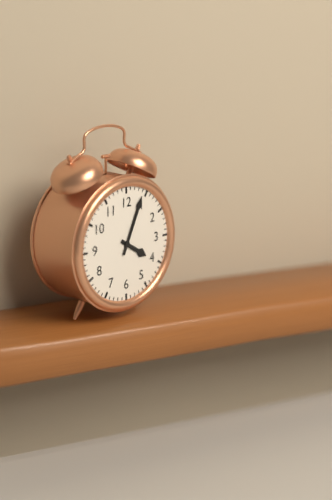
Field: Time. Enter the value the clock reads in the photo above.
4:04
